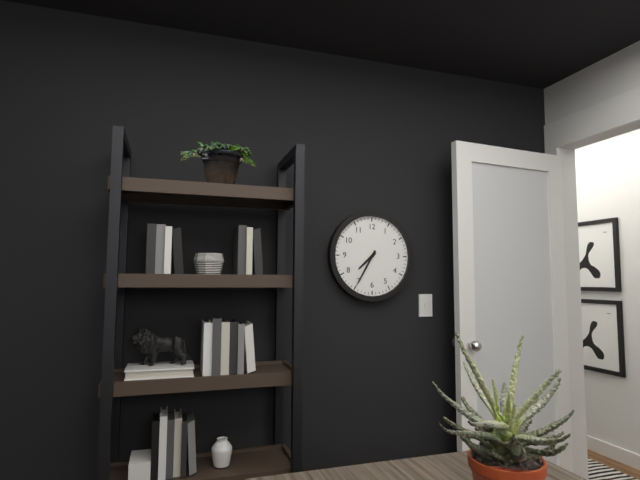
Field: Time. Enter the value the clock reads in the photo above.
7:35
